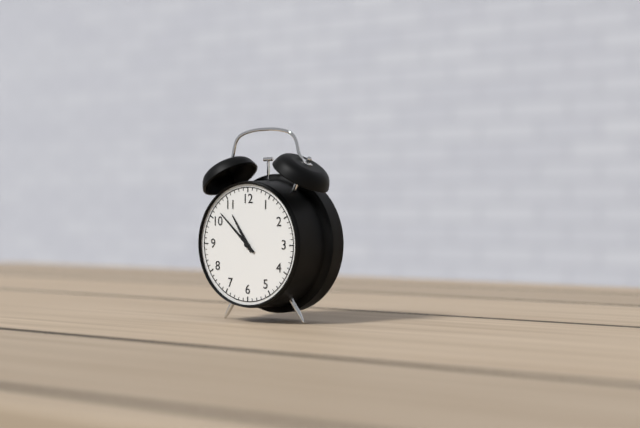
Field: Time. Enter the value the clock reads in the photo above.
10:52
